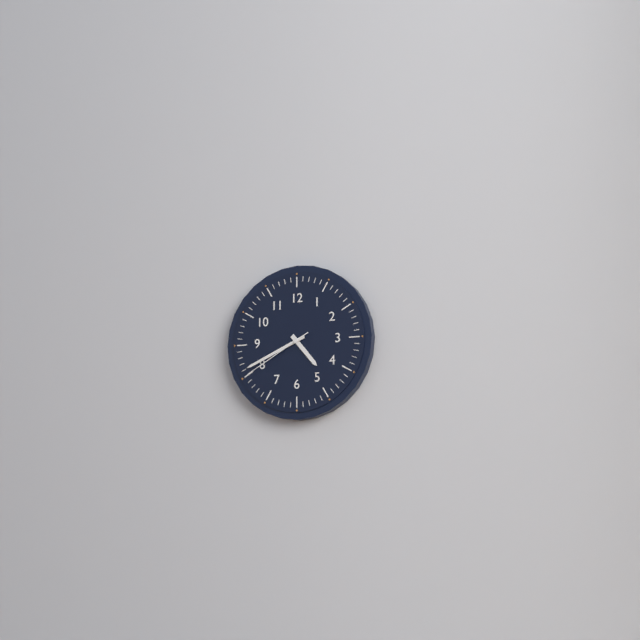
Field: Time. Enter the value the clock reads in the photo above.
4:41:40
